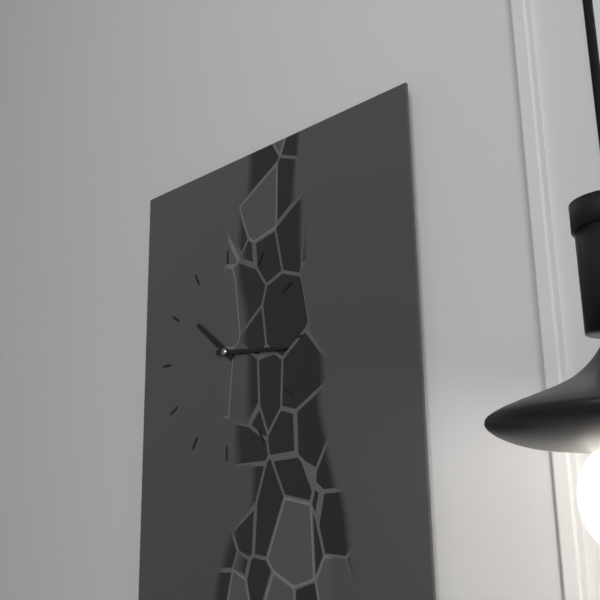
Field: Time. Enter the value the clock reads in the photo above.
10:16
